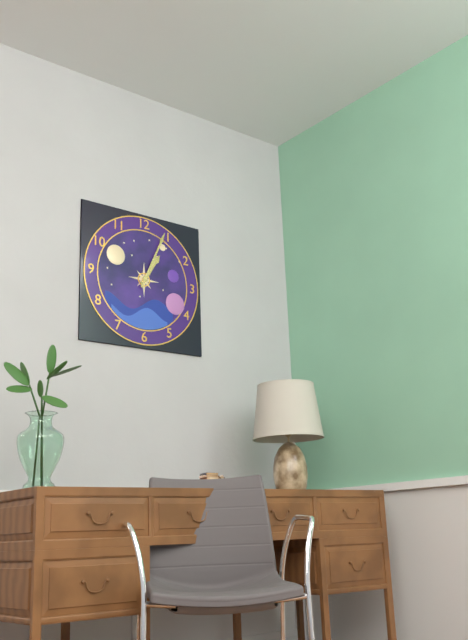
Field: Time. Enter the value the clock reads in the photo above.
1:04
